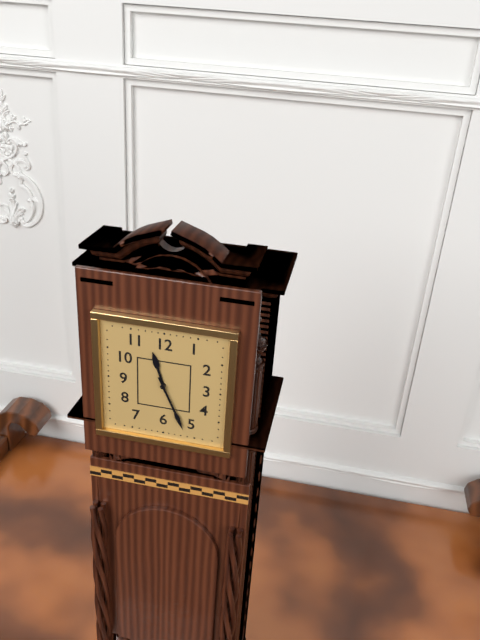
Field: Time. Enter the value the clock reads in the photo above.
11:26
